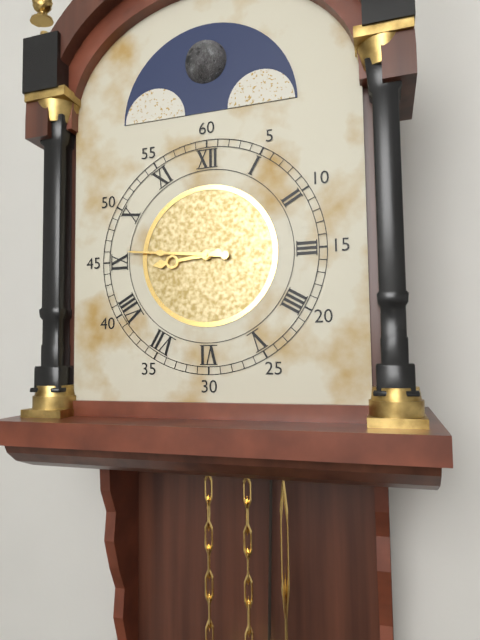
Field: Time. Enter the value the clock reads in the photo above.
8:46
